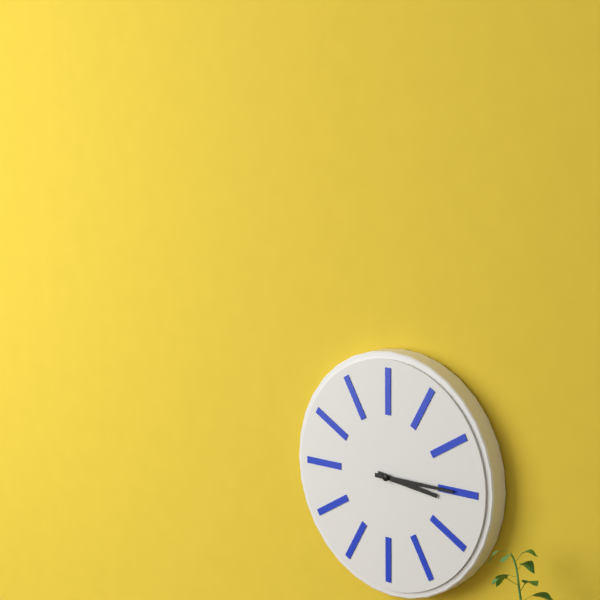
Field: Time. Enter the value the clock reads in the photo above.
3:15
